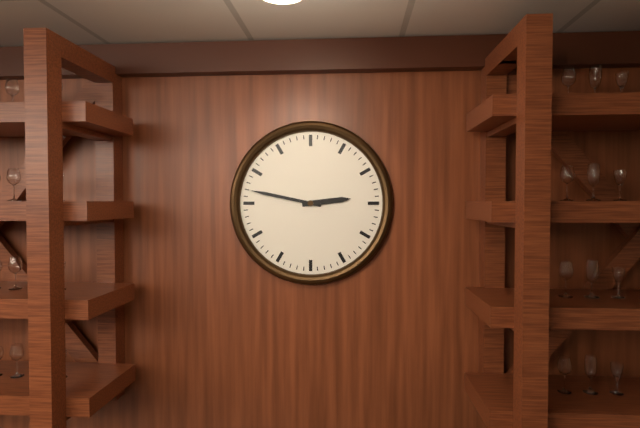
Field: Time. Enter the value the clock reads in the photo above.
2:47
